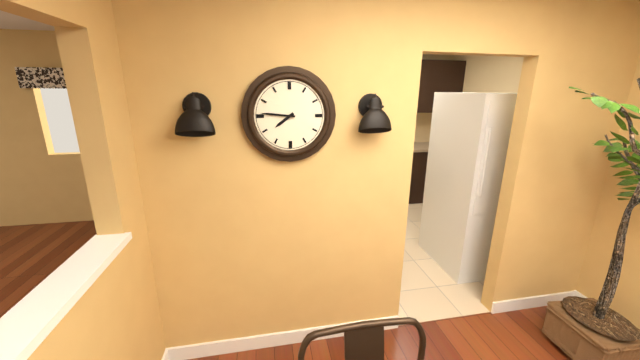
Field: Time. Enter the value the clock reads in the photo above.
7:46
